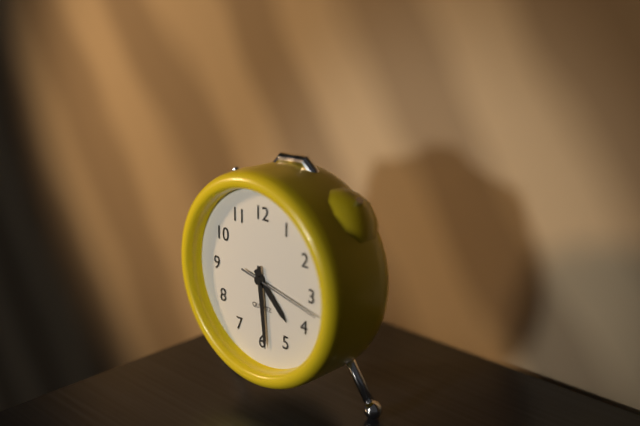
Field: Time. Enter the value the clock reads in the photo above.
4:29:17
